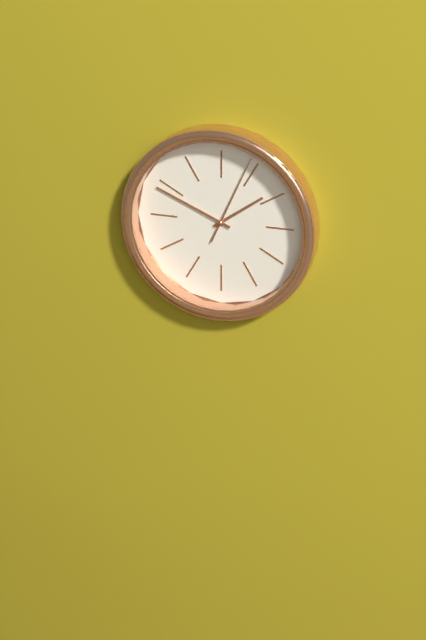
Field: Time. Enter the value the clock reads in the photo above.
1:49:04
